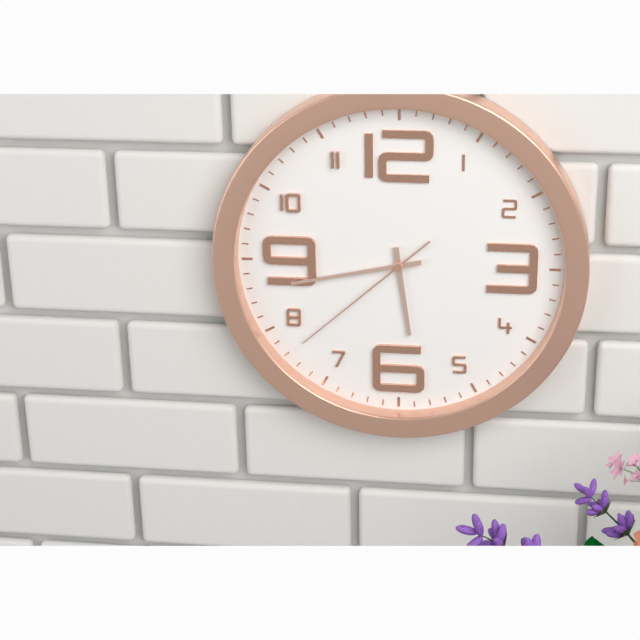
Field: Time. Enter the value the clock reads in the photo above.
5:43:38
